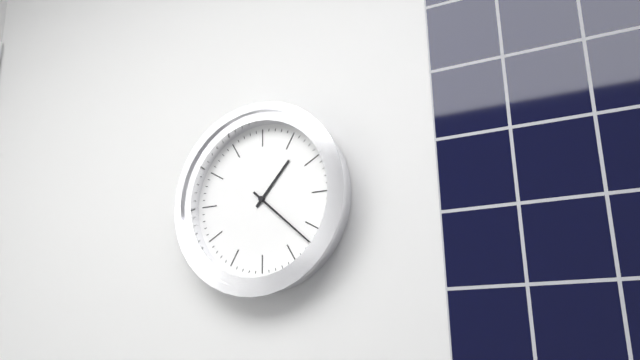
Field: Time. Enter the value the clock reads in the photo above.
1:22
